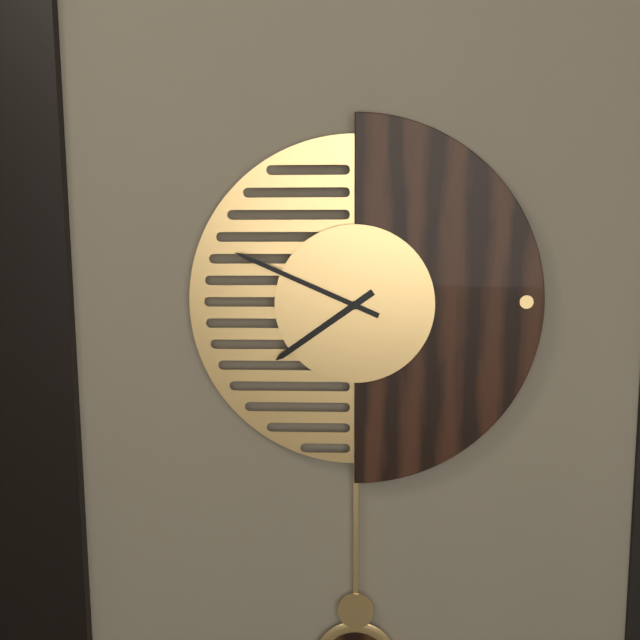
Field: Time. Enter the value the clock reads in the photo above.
7:49
